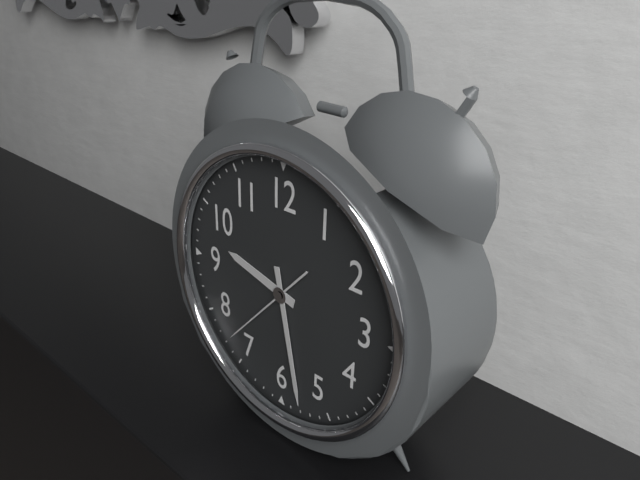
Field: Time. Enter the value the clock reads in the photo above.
9:28:37
